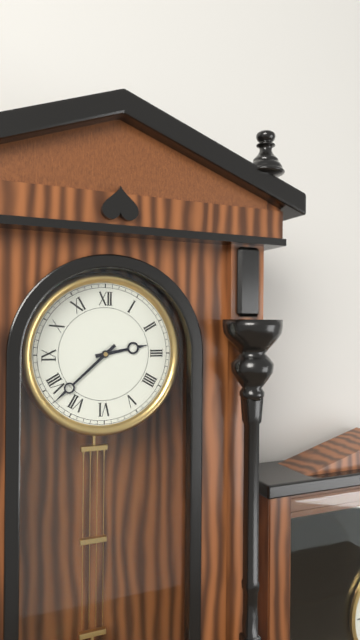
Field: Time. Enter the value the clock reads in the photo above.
2:38
